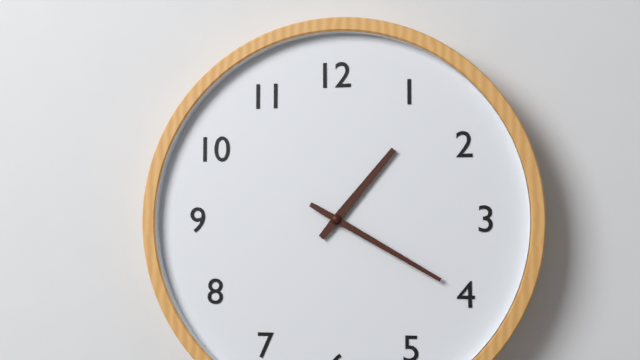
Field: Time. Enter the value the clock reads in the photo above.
1:20
